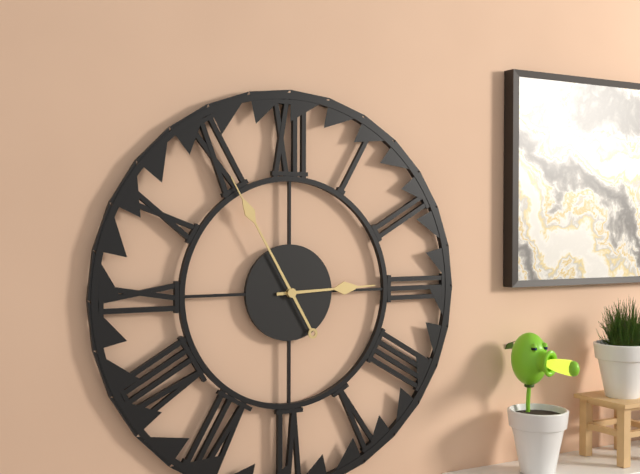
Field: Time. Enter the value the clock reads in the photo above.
2:55
